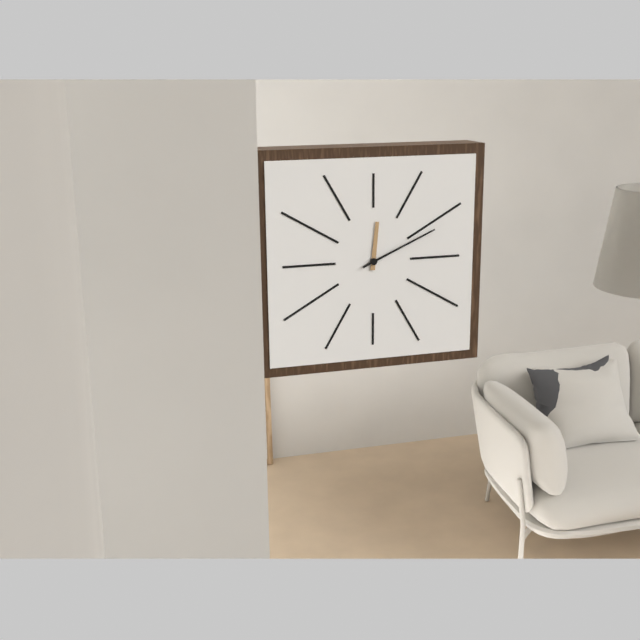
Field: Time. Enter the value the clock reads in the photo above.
12:11
